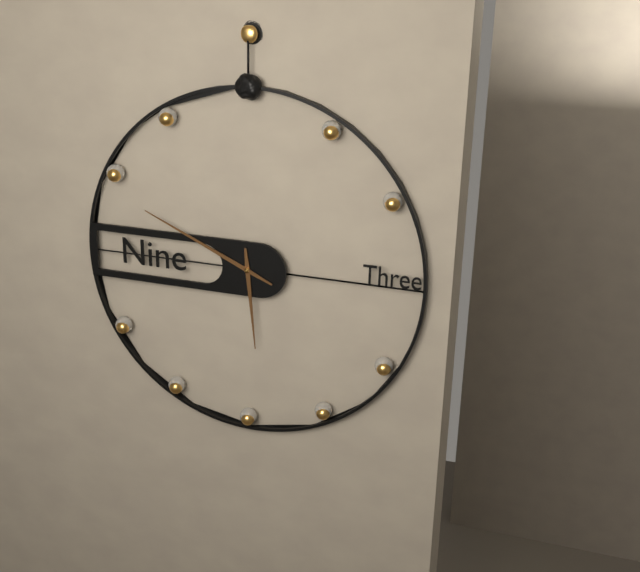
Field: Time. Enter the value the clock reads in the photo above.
5:49
